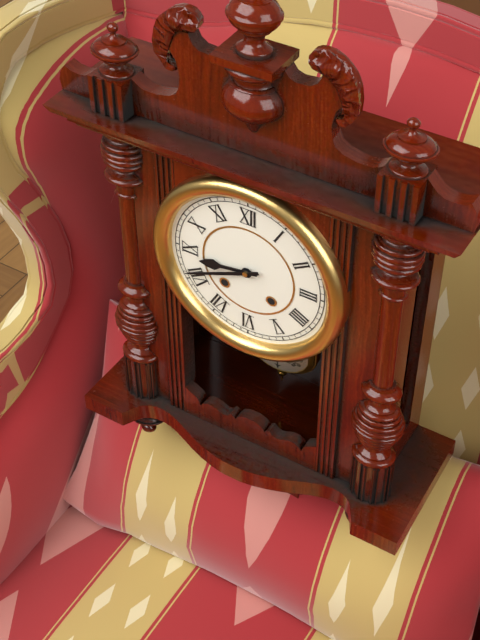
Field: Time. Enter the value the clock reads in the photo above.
8:41
